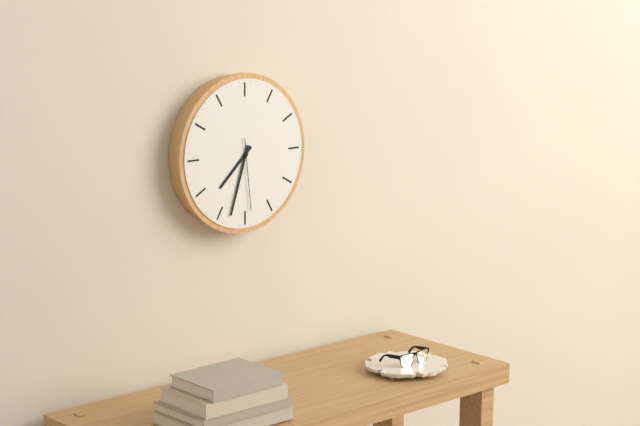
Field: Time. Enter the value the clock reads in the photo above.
7:33:29
